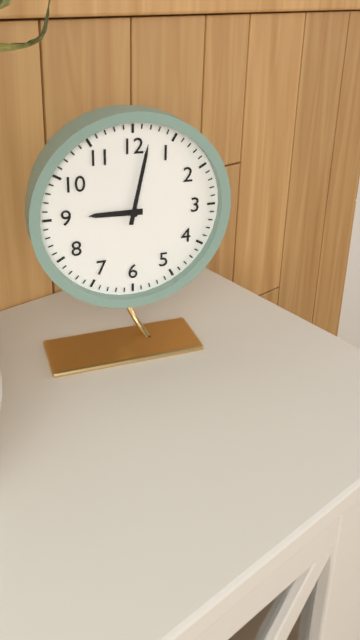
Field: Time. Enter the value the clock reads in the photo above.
9:02
